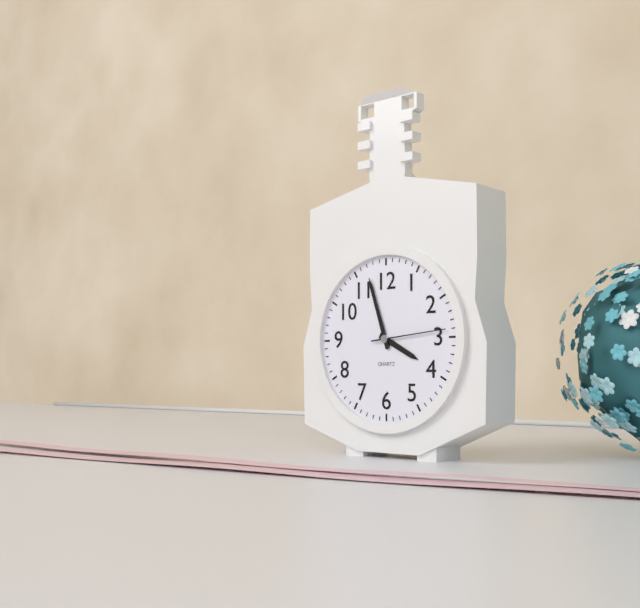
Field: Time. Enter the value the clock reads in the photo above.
3:57:14
